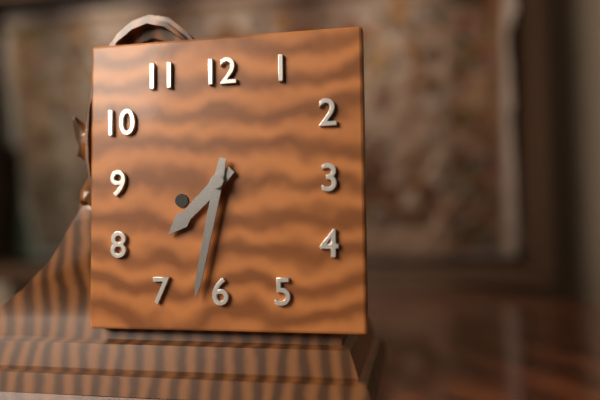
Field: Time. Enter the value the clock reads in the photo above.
7:32
